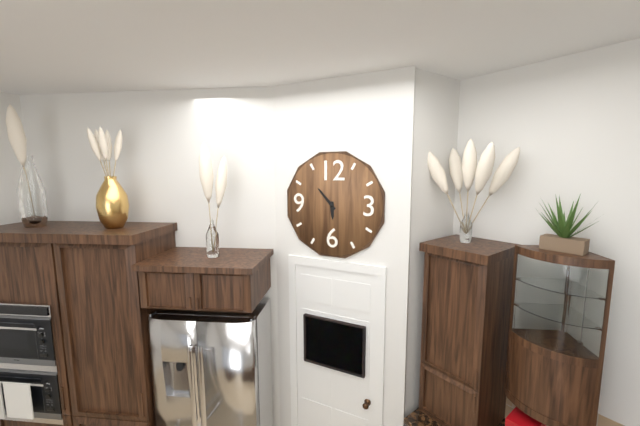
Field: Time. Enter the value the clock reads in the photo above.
5:53
